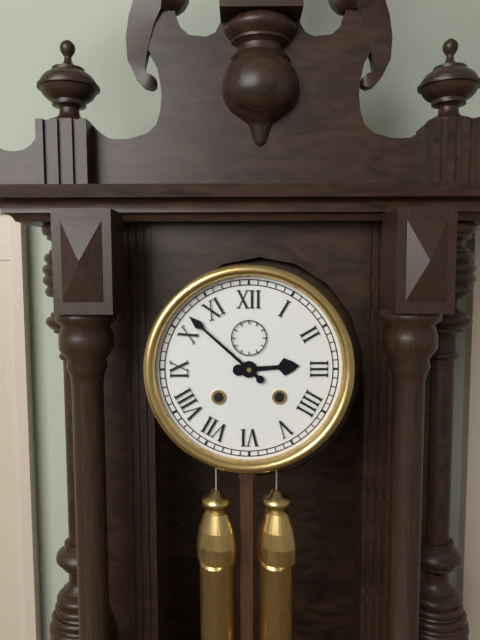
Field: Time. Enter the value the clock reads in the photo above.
2:52
